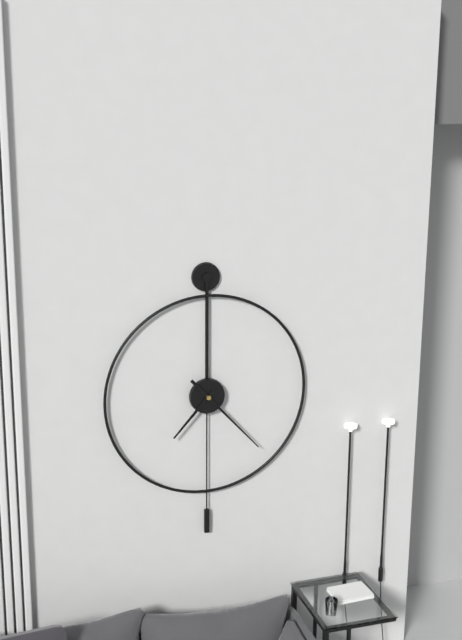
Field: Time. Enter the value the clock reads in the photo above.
7:23
